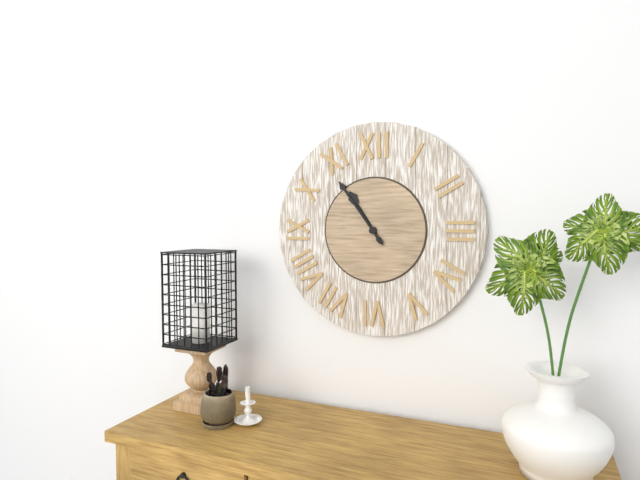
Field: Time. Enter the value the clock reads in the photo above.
10:54
